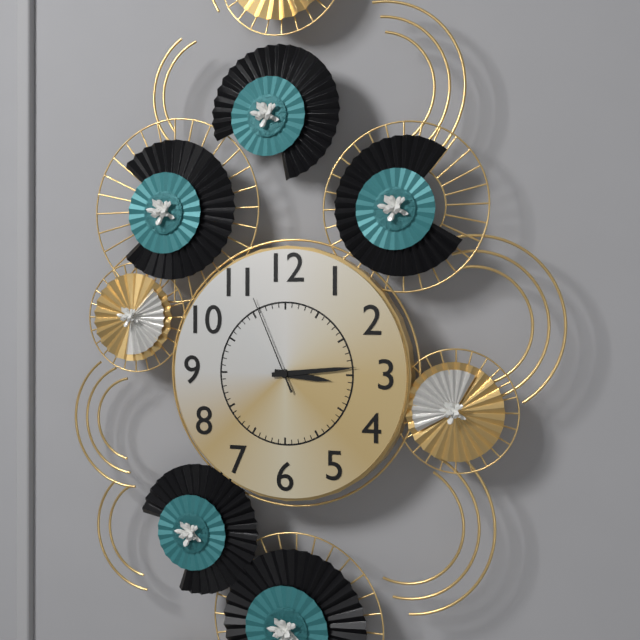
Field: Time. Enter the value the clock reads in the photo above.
3:14:56
